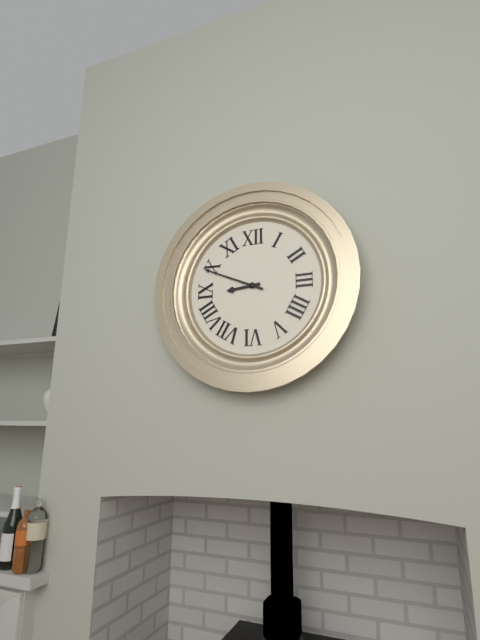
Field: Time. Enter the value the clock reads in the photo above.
8:49
